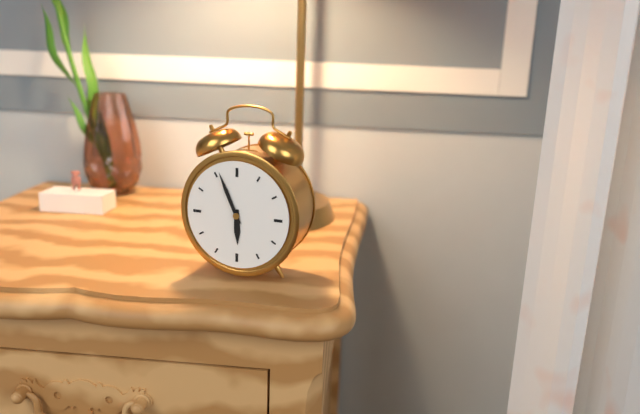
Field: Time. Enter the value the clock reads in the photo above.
5:56
